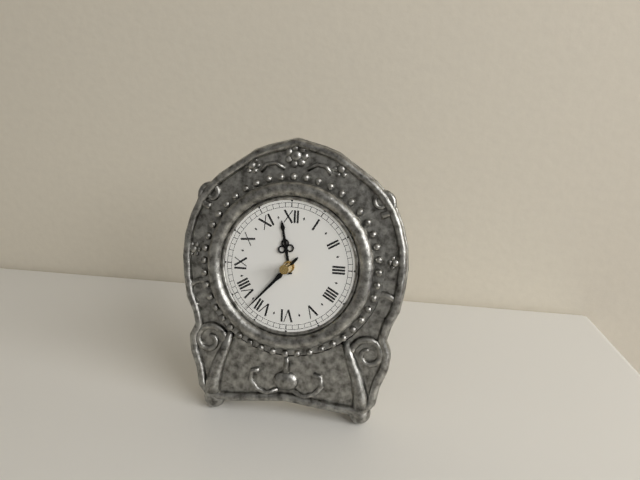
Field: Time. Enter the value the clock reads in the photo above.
11:37
